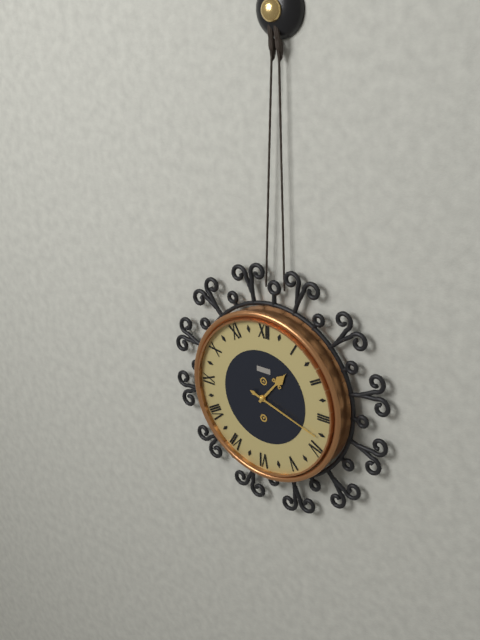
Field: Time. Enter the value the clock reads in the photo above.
1:18
